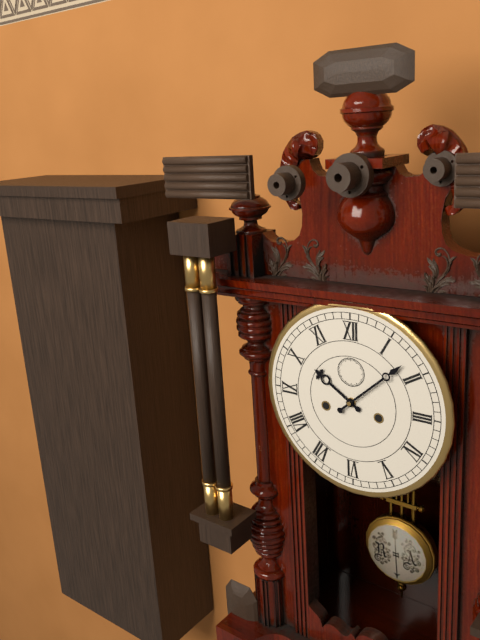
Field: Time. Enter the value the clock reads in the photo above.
10:08
